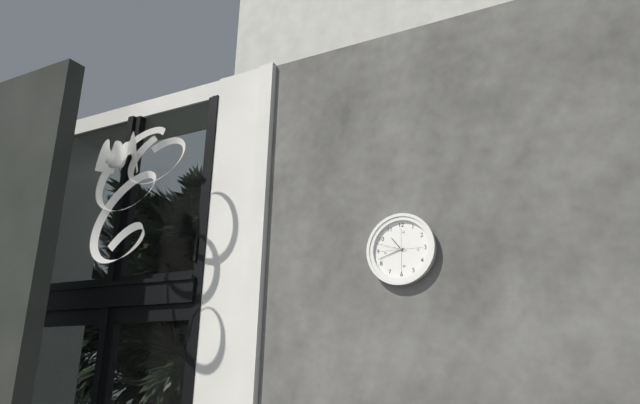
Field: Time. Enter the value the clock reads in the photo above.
10:42
